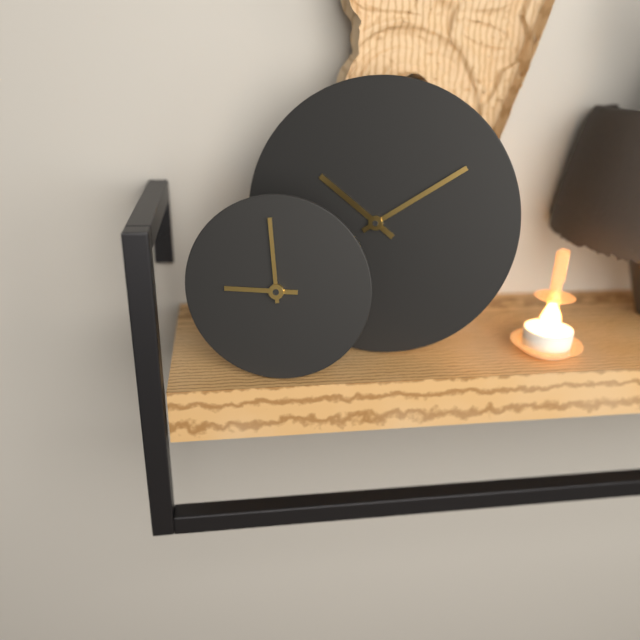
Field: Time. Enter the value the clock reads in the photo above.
8:59
